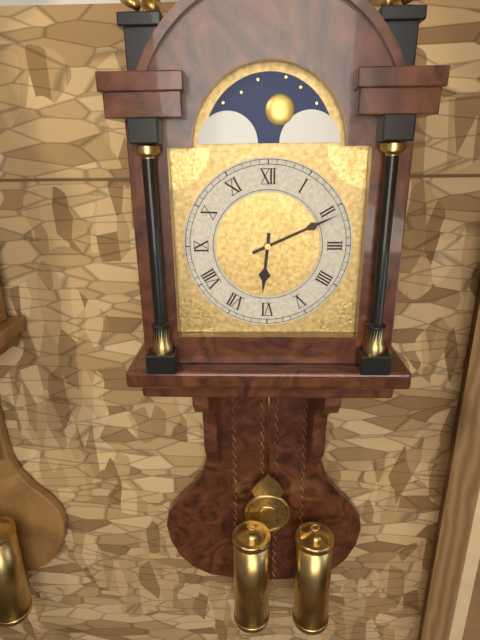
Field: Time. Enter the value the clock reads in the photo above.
6:11
